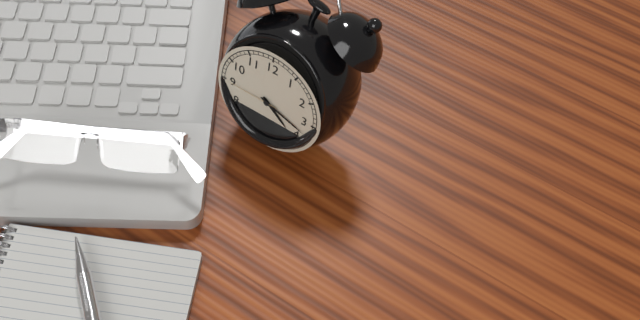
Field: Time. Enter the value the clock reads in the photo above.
4:18:45
